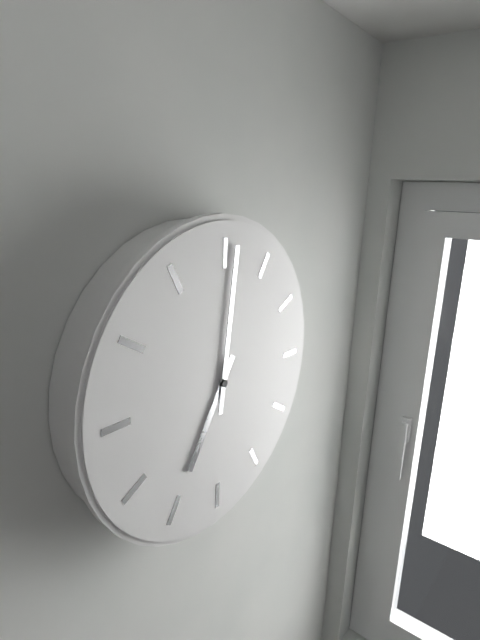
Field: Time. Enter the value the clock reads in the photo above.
7:01
